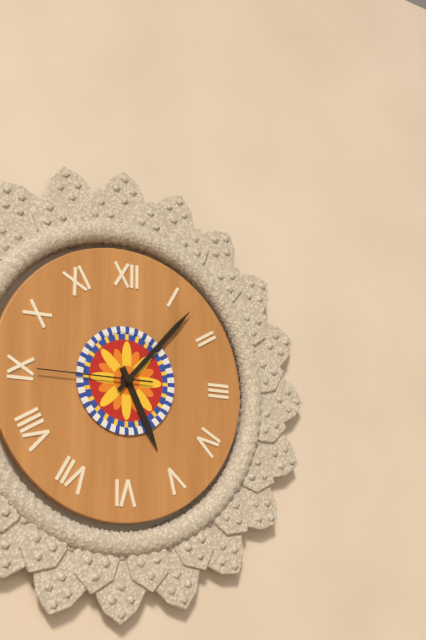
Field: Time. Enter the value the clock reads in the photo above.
5:07:45
